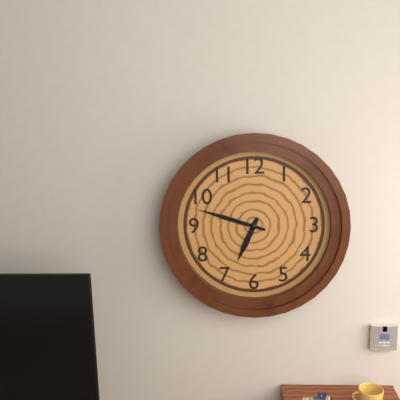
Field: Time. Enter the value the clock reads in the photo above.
6:48
